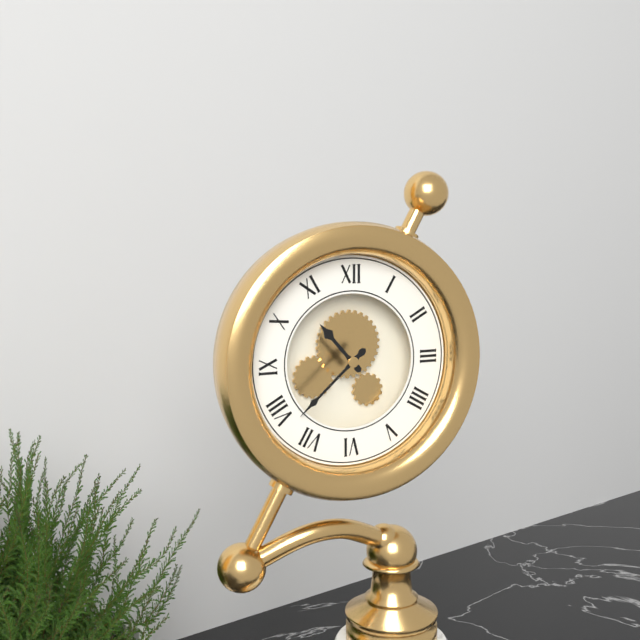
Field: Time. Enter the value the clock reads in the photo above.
10:38
